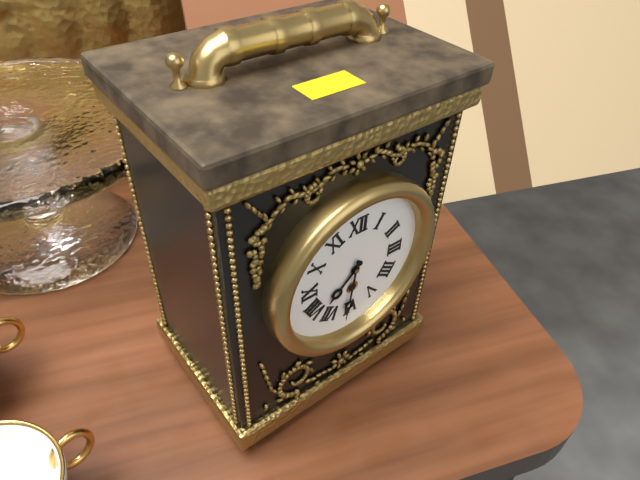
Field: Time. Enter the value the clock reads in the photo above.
7:31
